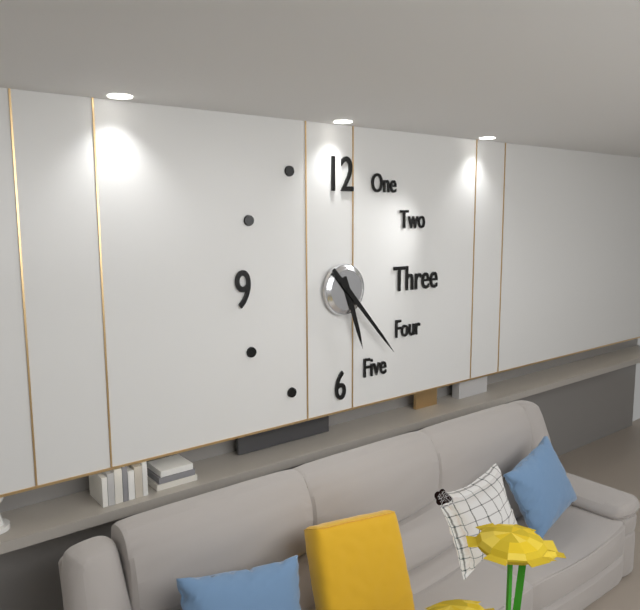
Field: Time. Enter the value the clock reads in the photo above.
5:23
